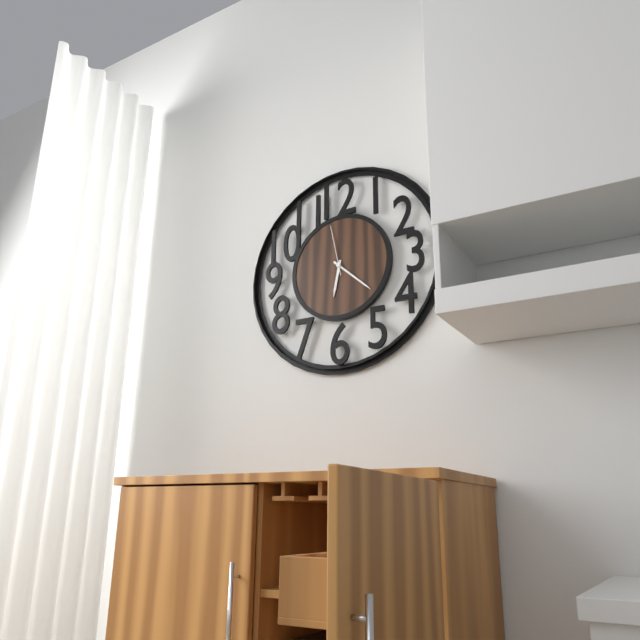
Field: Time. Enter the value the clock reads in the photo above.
6:22:58
